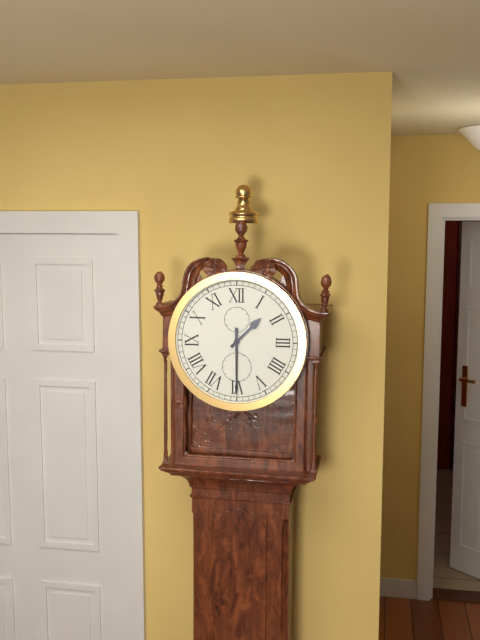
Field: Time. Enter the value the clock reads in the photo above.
1:30
